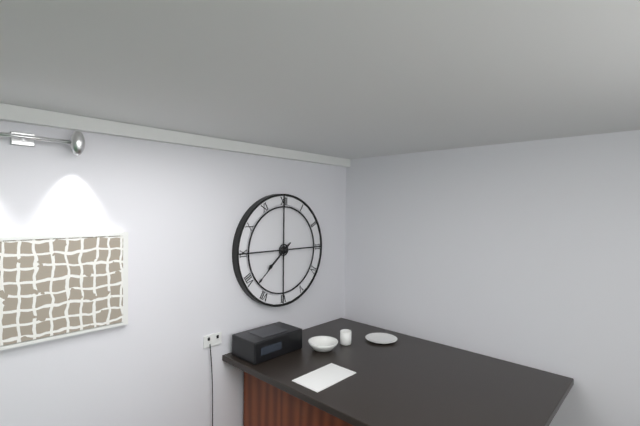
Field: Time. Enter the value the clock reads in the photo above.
7:38
